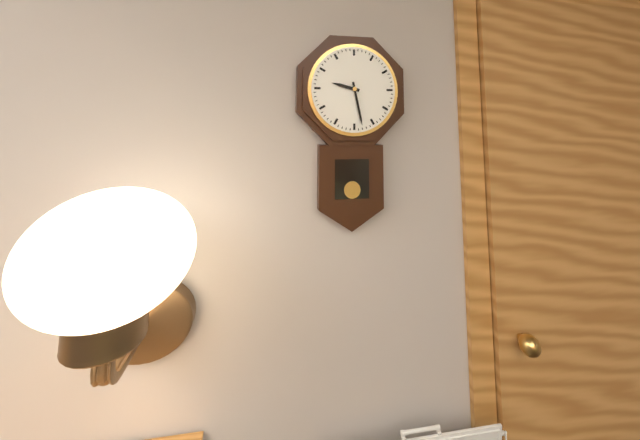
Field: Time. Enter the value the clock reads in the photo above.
9:28
